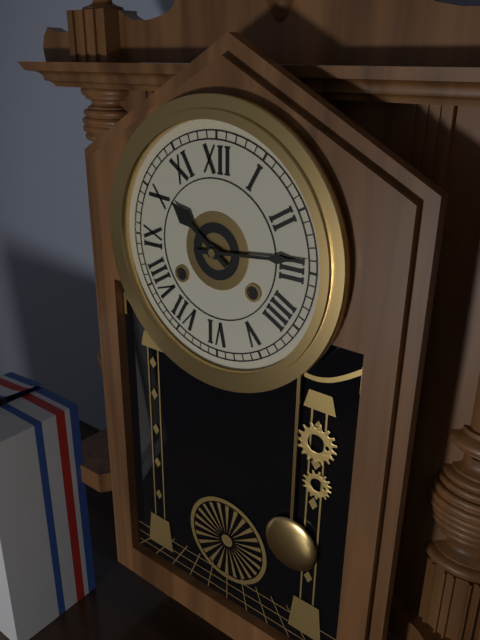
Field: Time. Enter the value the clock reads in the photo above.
10:14
